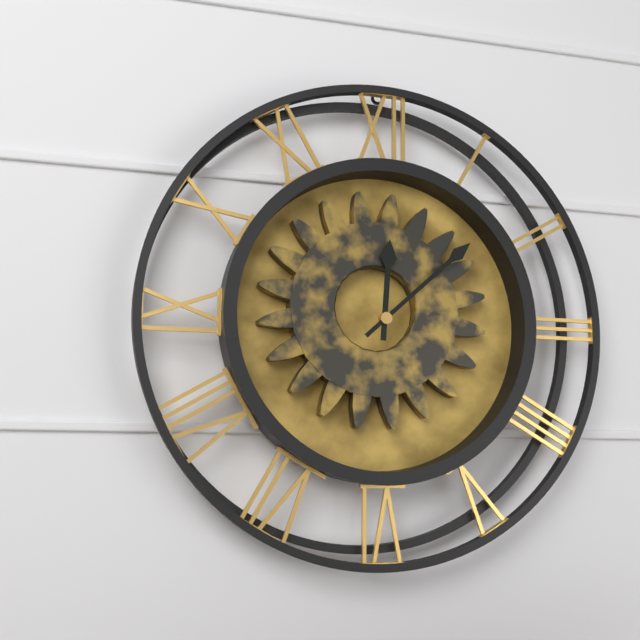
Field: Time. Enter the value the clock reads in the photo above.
12:08
